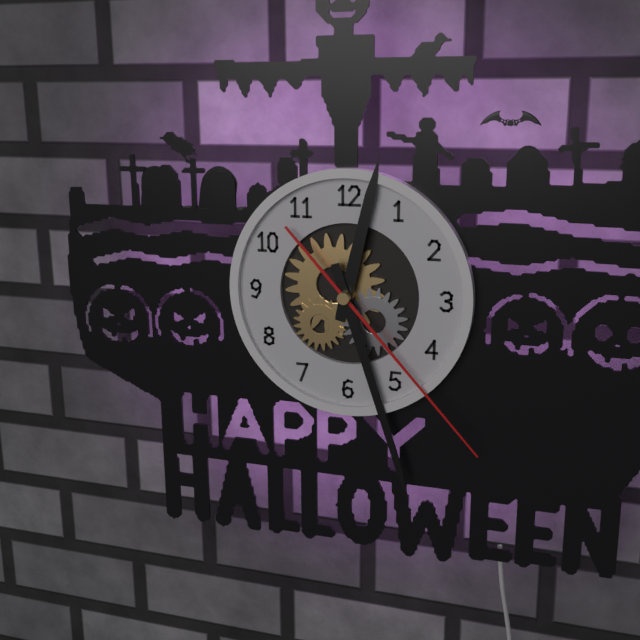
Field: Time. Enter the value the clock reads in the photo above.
12:27:23
